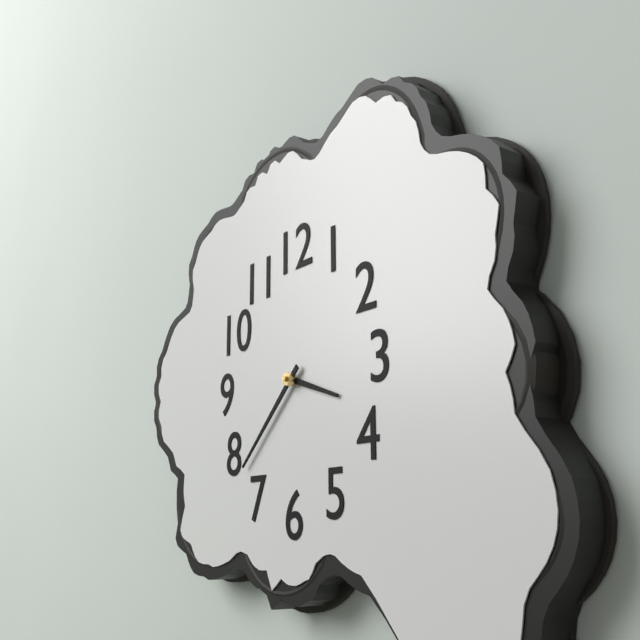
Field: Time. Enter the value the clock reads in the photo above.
3:38
